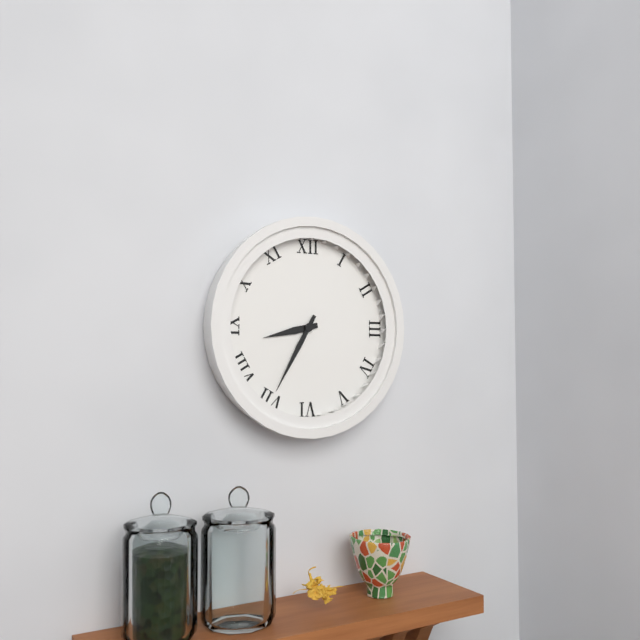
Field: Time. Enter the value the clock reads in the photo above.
8:35
